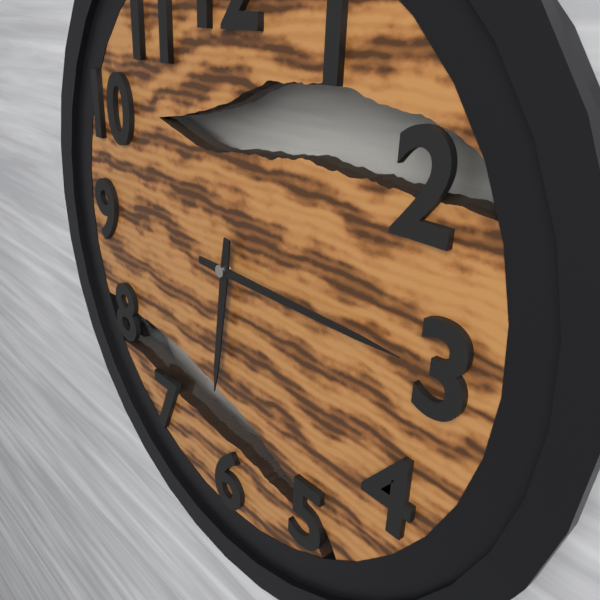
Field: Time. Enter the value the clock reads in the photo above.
6:15
